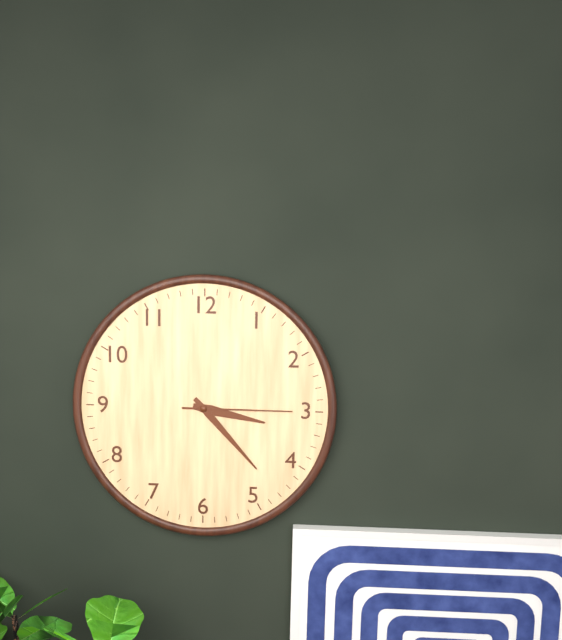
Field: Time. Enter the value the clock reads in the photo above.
3:23:15
